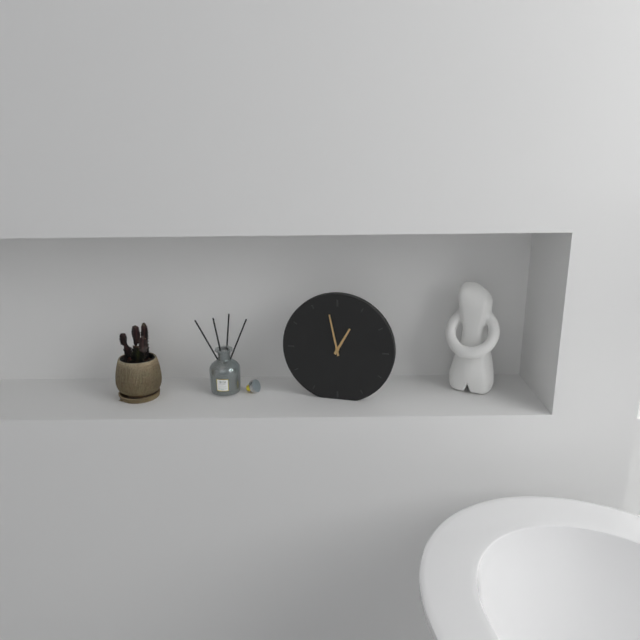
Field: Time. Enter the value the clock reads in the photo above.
12:58
